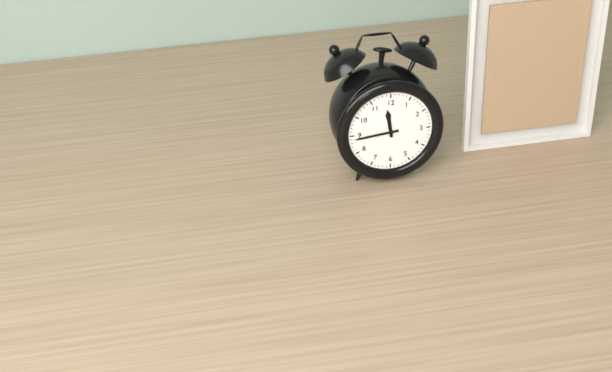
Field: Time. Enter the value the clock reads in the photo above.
11:44
